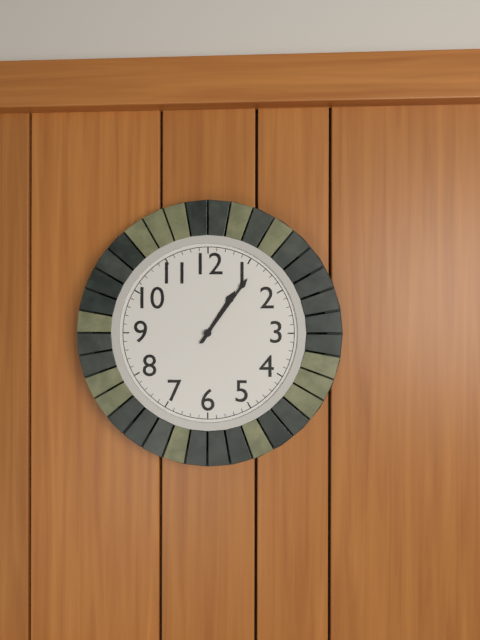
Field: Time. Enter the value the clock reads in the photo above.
1:06
